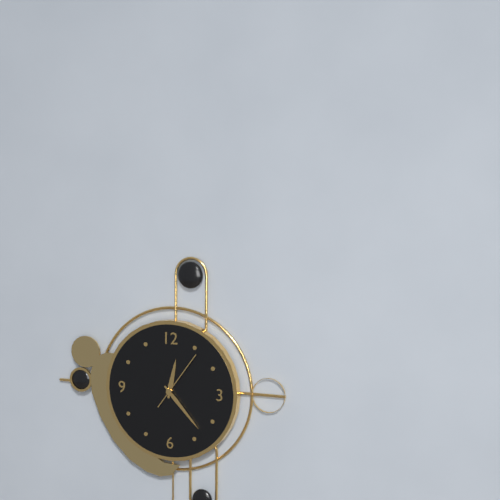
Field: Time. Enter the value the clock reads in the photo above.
12:23
